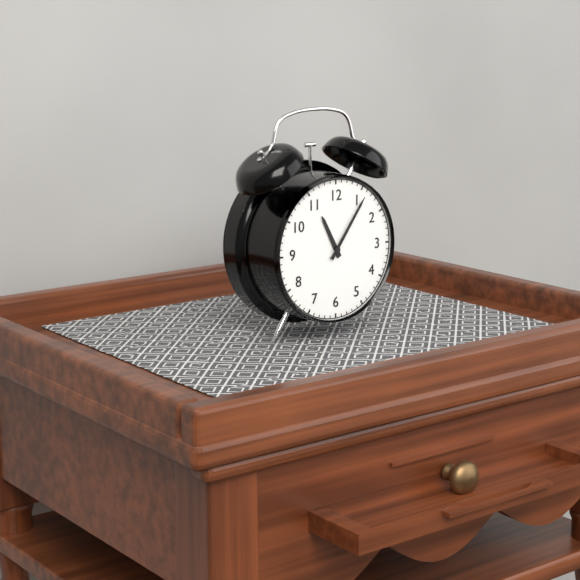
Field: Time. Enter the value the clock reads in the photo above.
11:06
